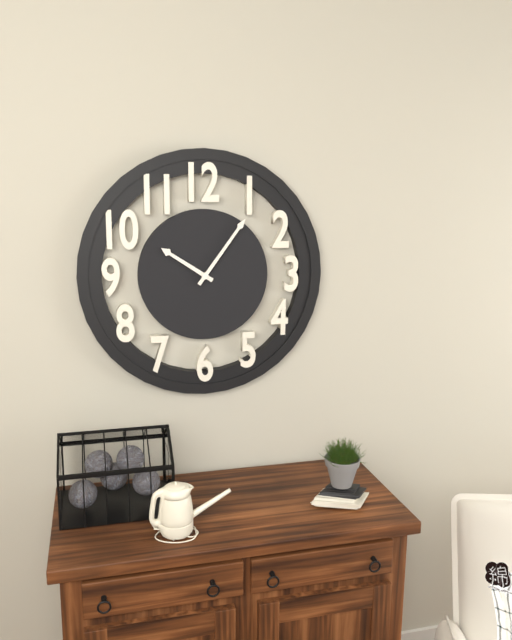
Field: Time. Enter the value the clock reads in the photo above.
10:06
